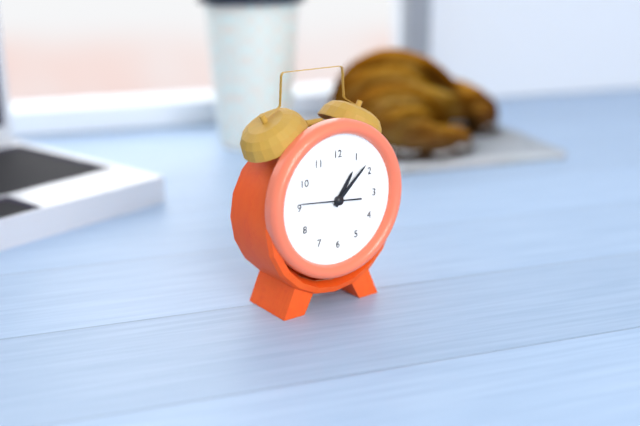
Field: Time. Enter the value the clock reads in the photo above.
1:08:46
